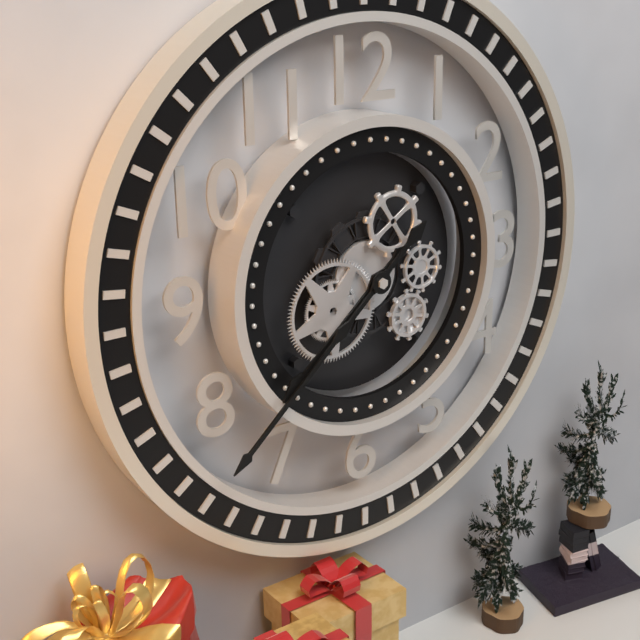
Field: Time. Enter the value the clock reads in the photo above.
7:38
